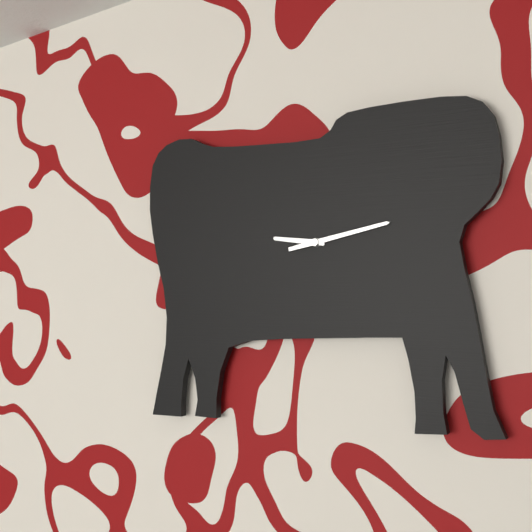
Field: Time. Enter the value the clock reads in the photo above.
9:13
